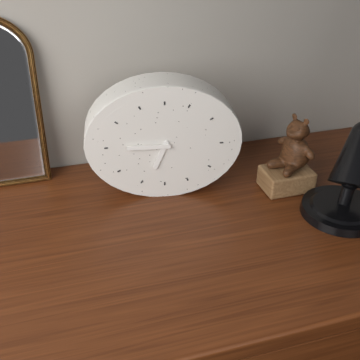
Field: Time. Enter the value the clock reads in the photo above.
6:45
